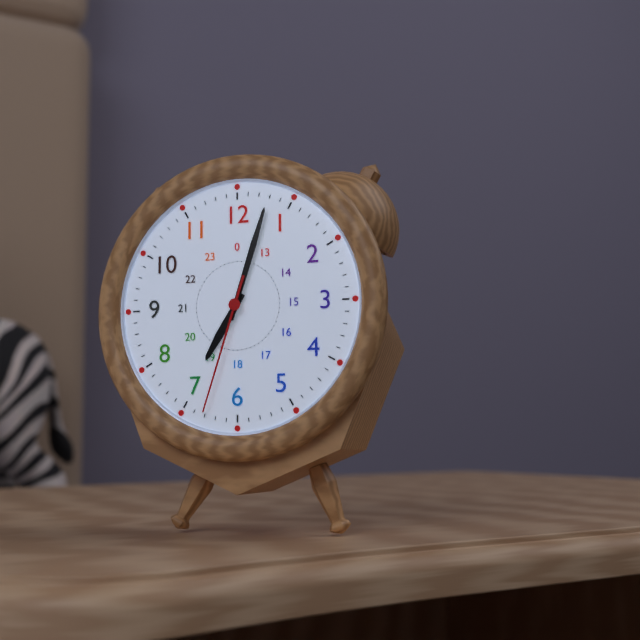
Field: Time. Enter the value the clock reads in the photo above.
7:03:33
